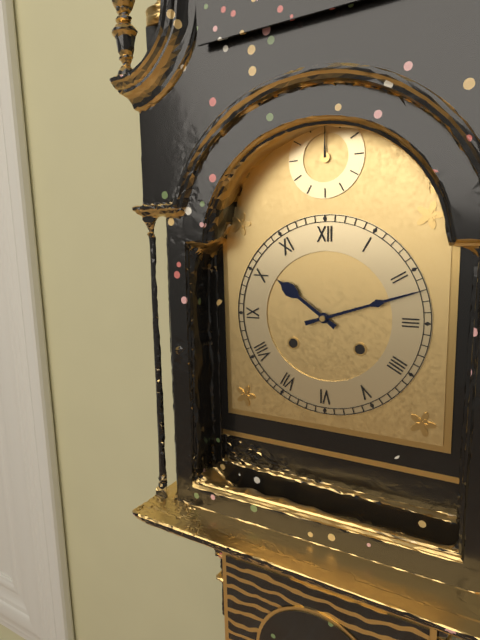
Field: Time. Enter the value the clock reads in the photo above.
10:12
